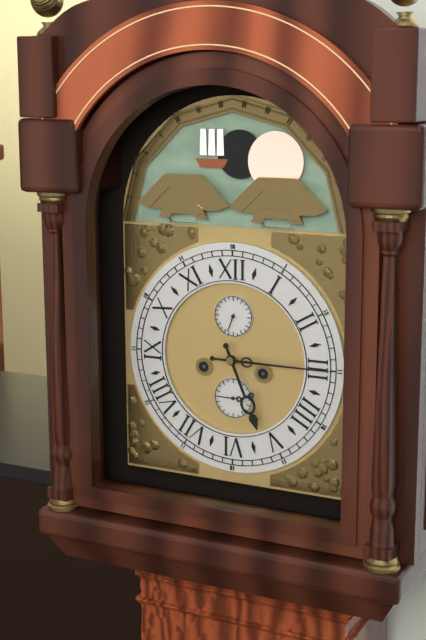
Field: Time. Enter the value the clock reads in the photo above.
5:15
